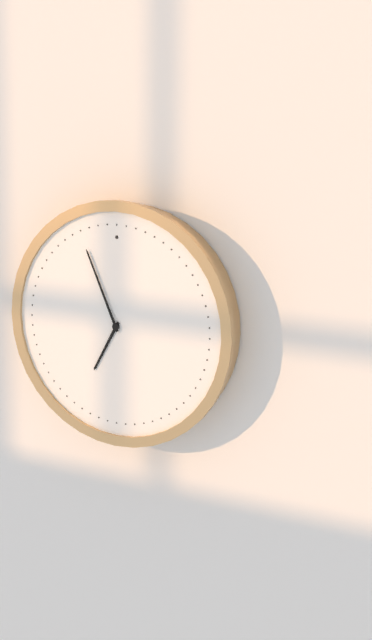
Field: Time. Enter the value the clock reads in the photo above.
6:56
